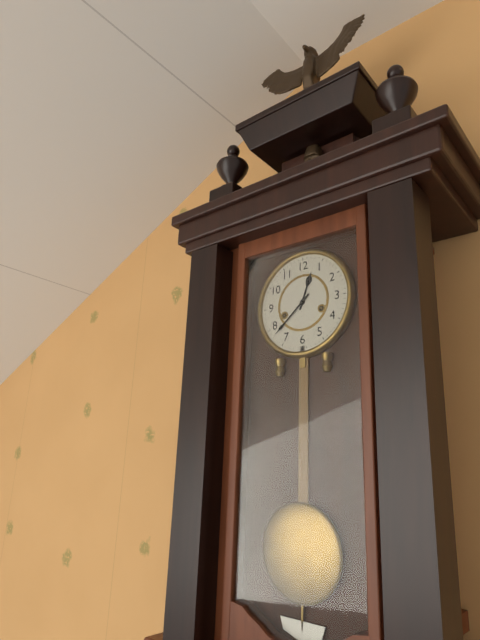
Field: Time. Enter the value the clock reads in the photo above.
12:38
